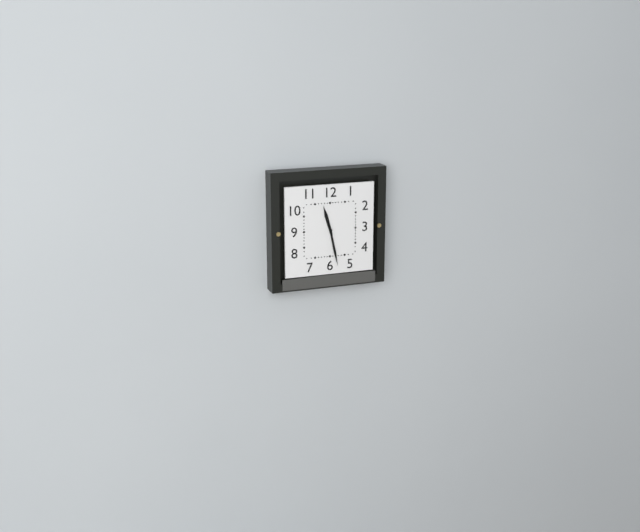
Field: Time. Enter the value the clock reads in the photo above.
11:28
